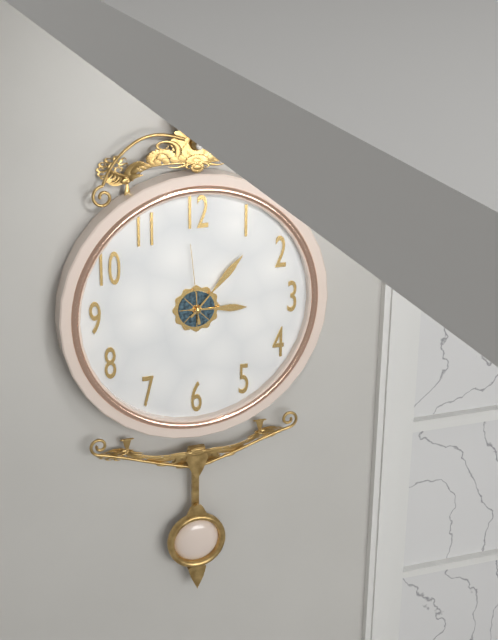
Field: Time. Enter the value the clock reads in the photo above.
3:07:59
